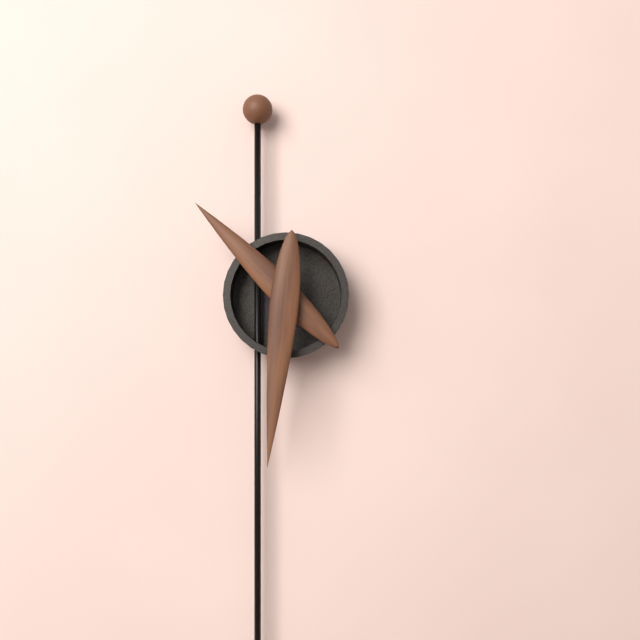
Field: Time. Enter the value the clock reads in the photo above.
10:31
